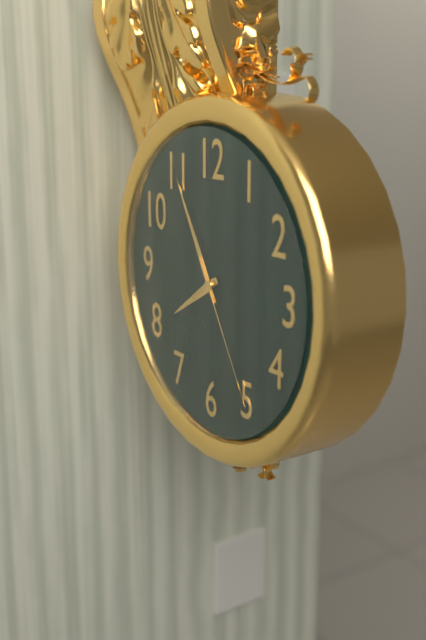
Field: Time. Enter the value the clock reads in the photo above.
7:55:25
